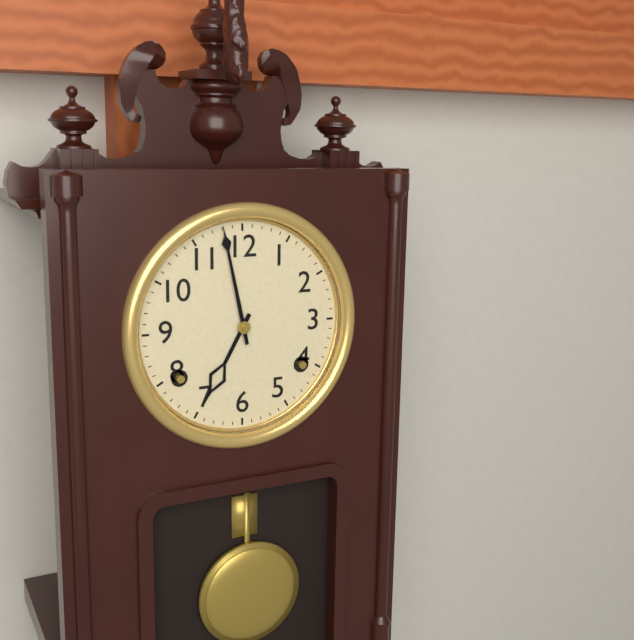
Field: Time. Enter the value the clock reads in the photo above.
6:58
